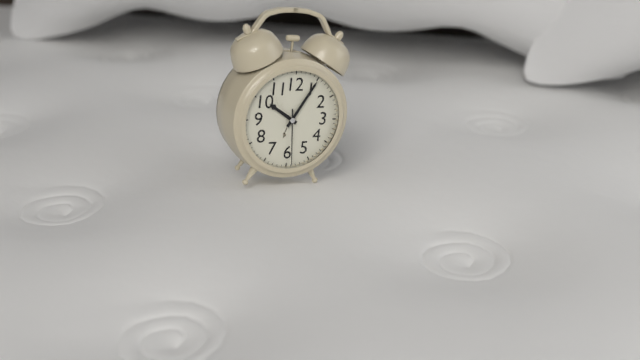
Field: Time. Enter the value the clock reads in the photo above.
10:05:29
